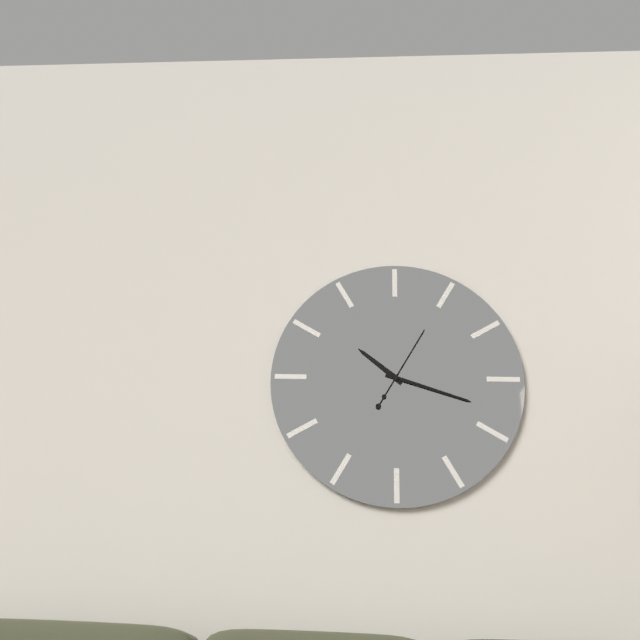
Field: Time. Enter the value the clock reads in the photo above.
10:18:05
